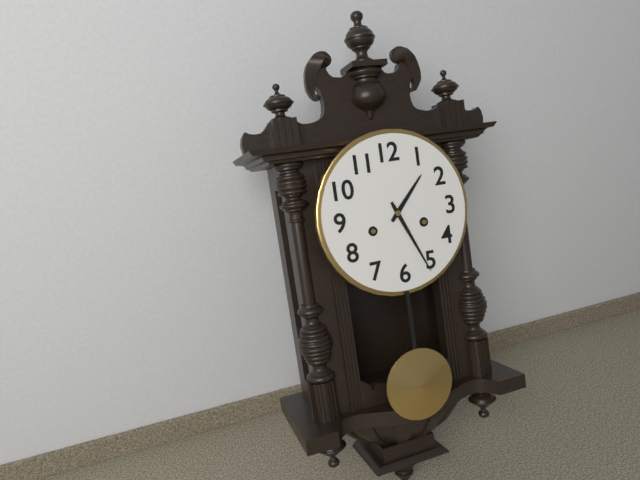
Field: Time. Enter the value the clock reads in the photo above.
1:26
